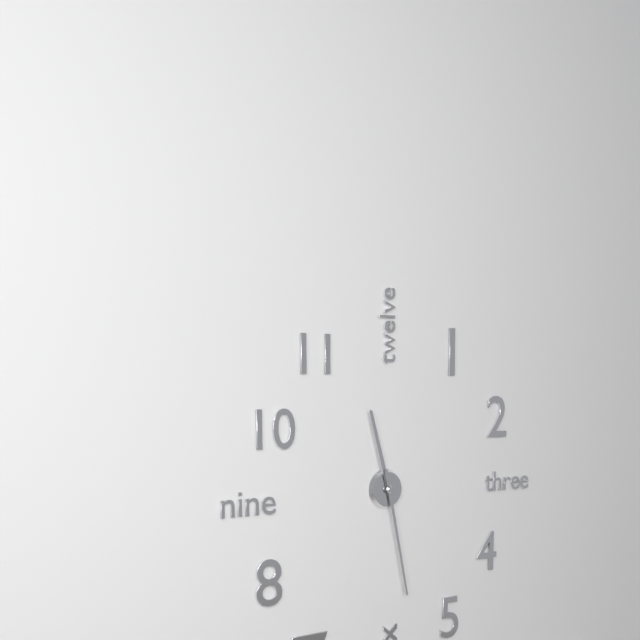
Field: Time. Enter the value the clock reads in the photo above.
11:28
